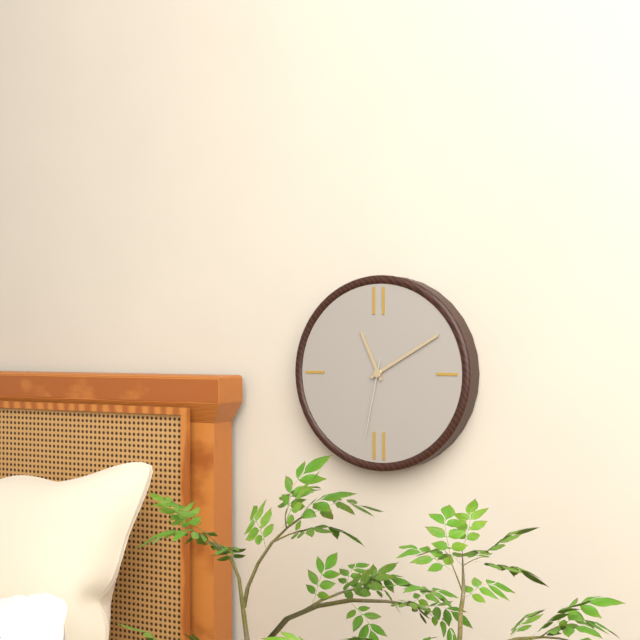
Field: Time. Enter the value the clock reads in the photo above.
11:10:32
